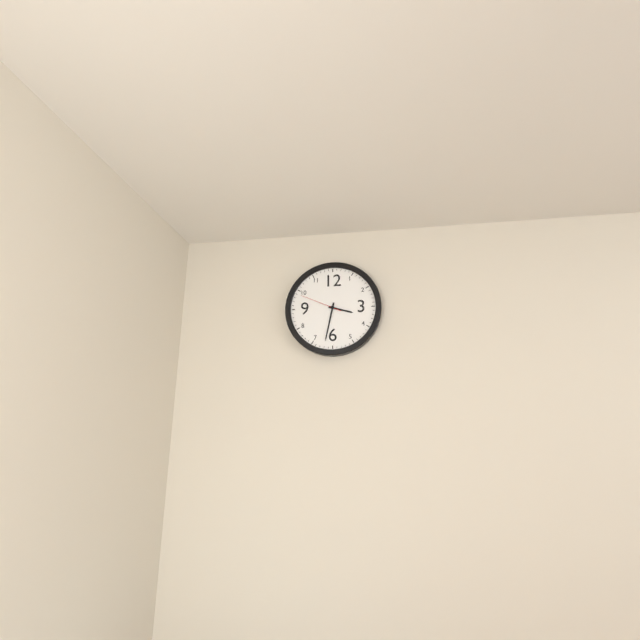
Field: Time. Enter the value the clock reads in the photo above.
3:32
